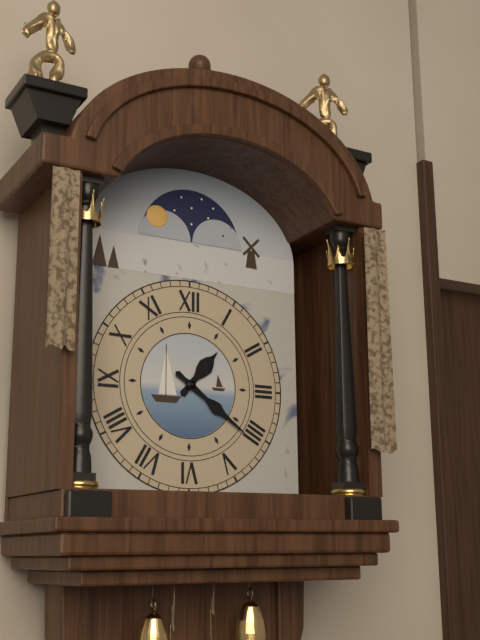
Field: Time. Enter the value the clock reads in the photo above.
1:21
